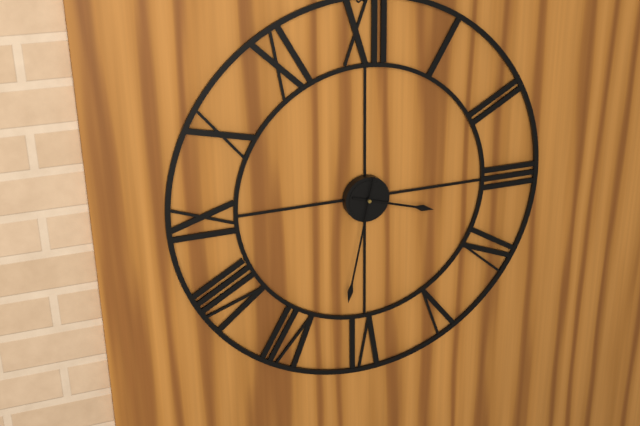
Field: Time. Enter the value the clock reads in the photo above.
3:32
